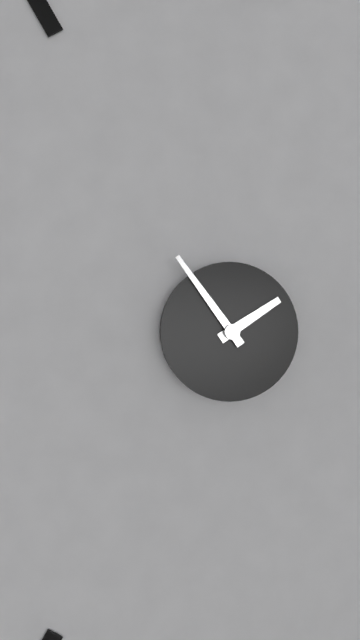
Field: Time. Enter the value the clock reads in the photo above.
1:54
